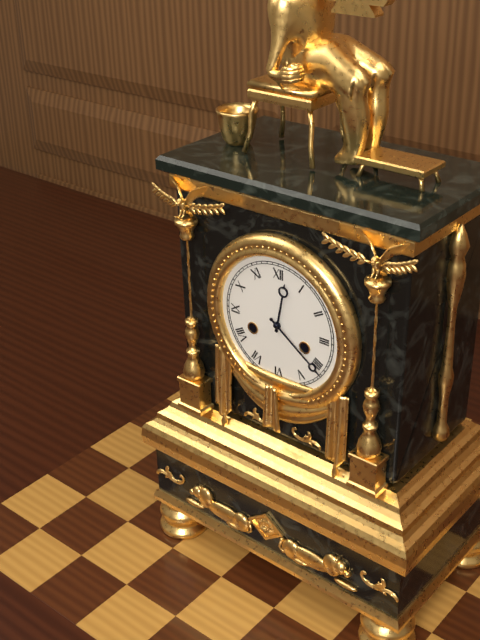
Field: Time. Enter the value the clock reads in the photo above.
12:21
